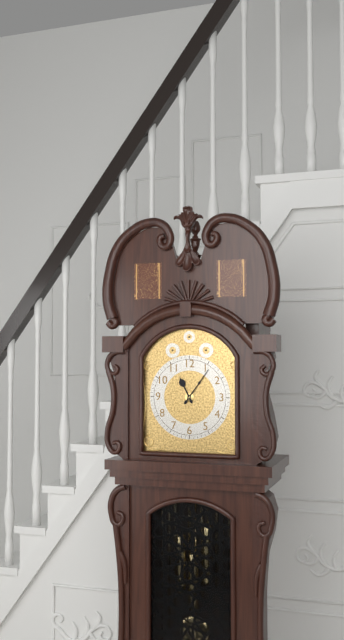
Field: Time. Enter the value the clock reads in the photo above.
11:06
